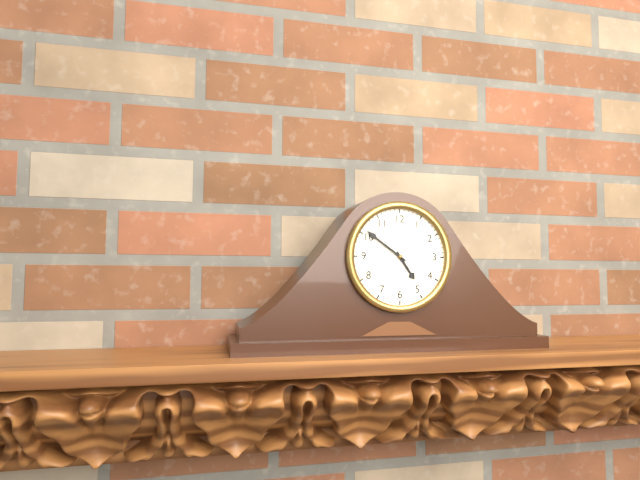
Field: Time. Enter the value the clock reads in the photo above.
4:51
